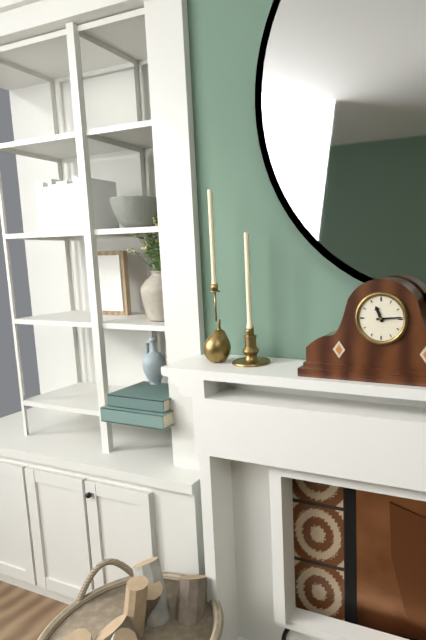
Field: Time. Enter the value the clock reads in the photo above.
11:14
